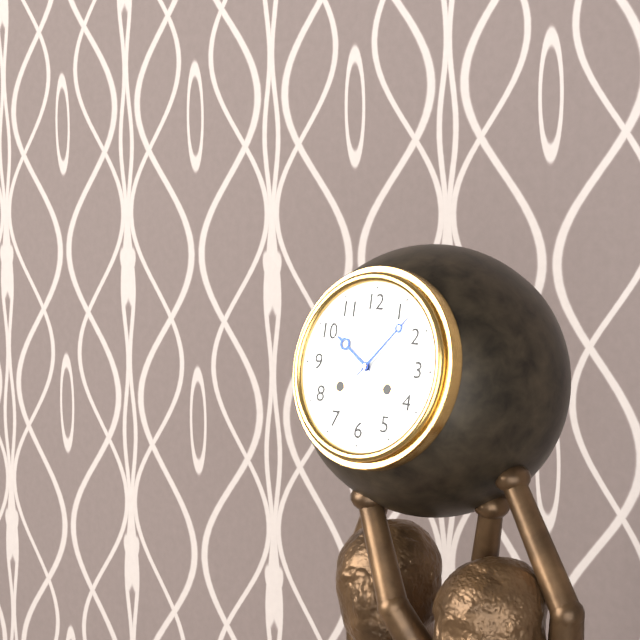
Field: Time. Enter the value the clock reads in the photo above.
10:07
